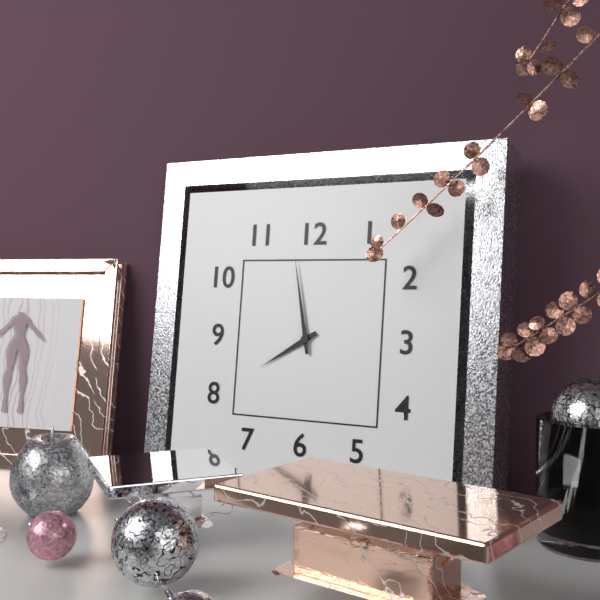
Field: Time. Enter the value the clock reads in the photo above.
7:58
